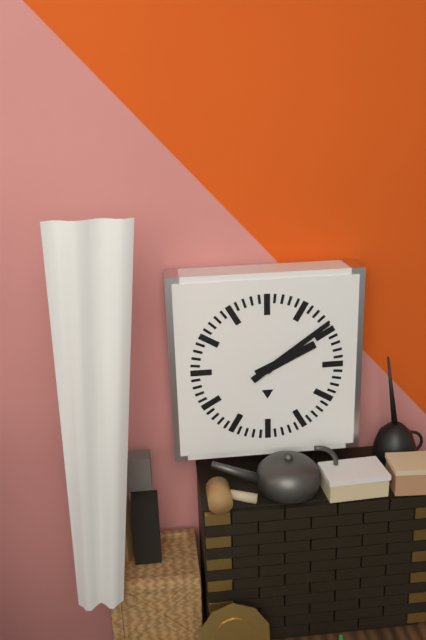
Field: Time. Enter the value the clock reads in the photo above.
2:09
